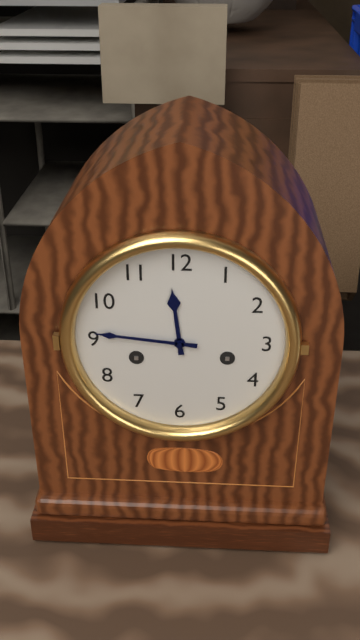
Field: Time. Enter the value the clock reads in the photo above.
11:46
